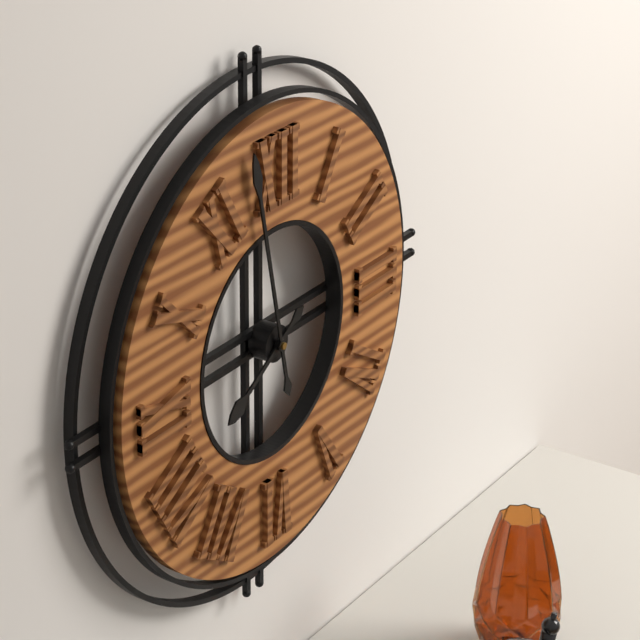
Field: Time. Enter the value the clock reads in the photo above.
7:58
